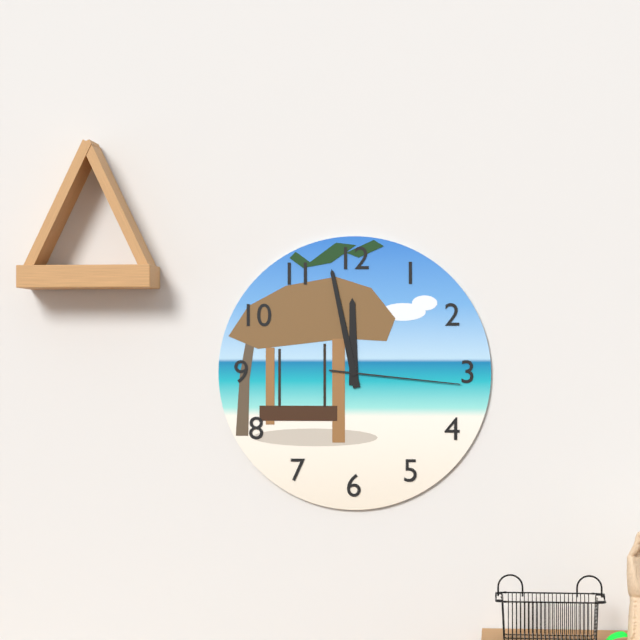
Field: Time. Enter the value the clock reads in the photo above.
11:58:16
